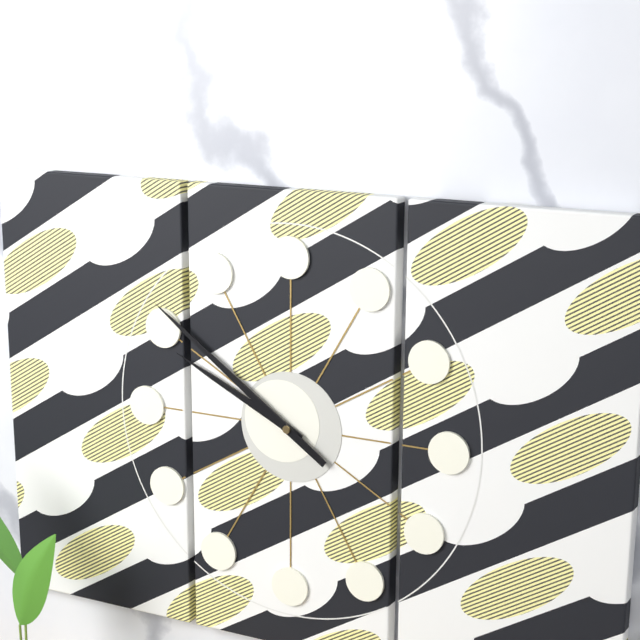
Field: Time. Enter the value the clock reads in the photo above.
9:51
